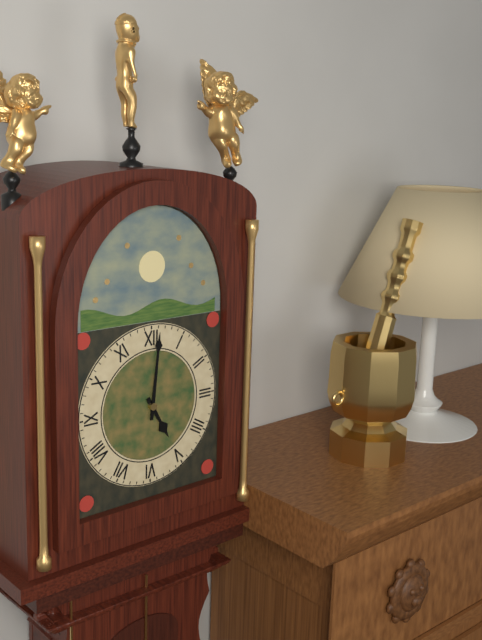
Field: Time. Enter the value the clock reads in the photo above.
5:01
